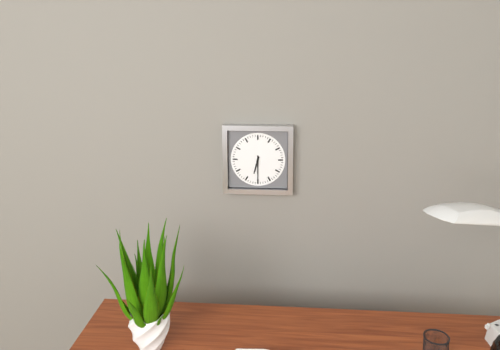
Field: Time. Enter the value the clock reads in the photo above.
6:30
